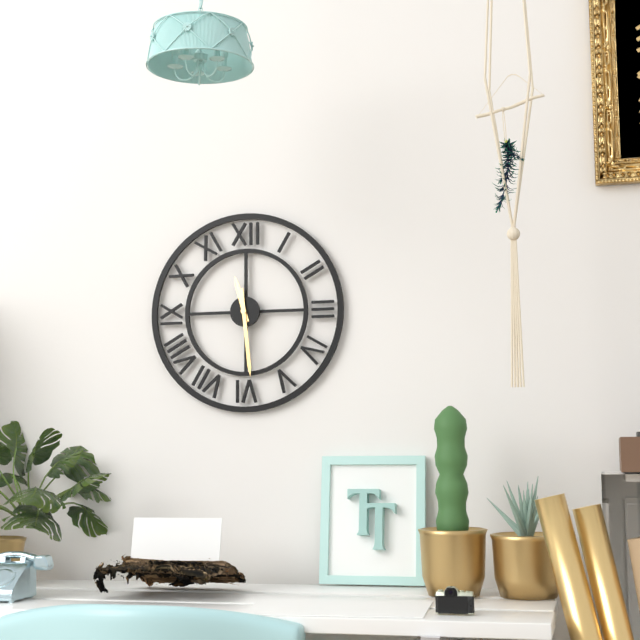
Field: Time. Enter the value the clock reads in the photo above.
11:29
